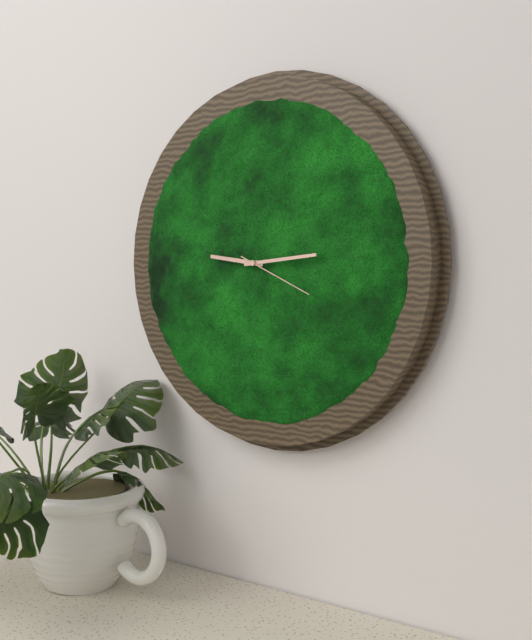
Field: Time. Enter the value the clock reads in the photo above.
9:14:19
